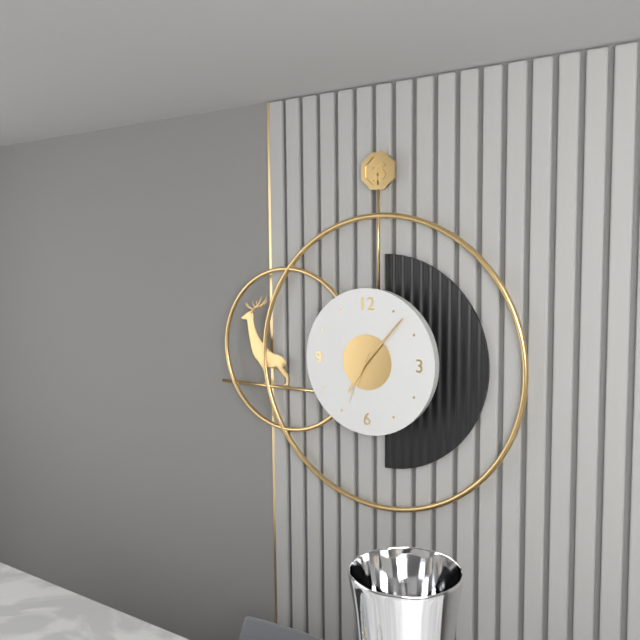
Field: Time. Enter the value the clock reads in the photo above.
7:07:34
